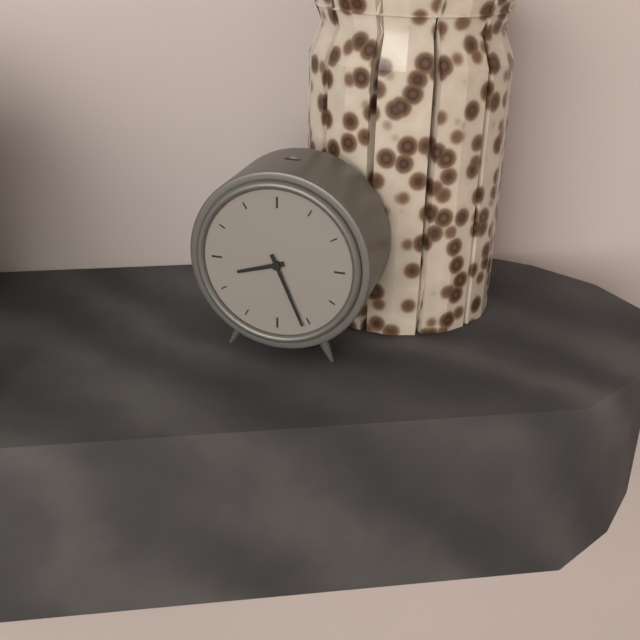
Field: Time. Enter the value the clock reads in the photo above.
8:26
